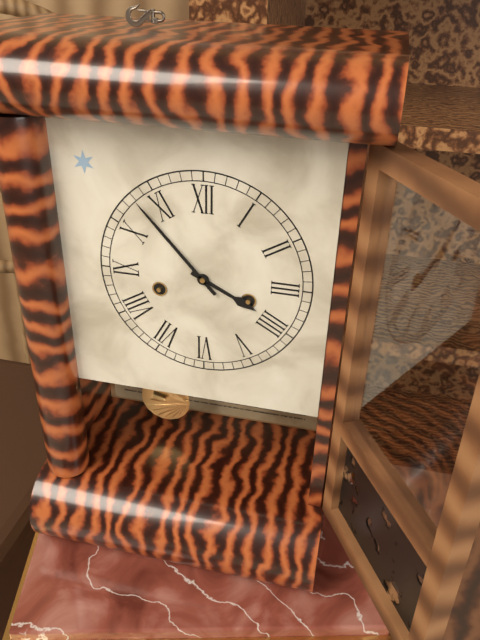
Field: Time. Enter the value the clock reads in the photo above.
3:53
